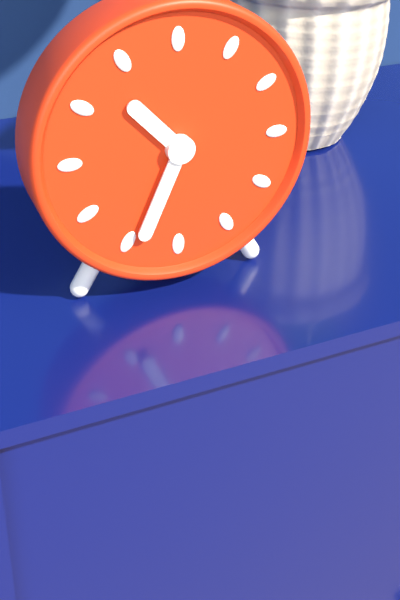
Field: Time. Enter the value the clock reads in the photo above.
10:34
